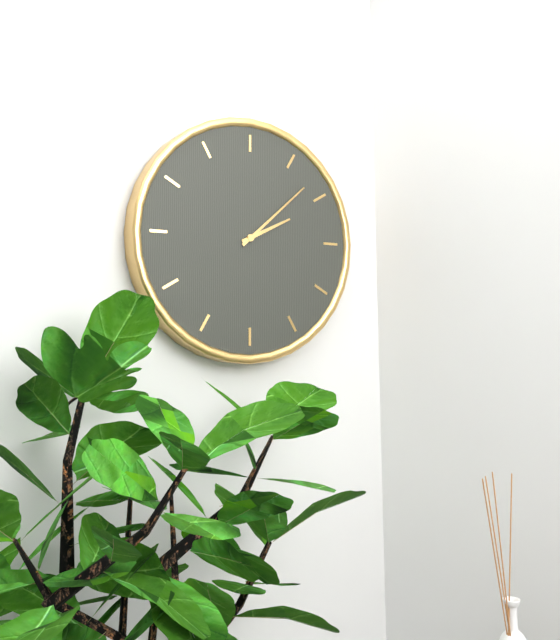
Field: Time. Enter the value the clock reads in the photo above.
2:08
